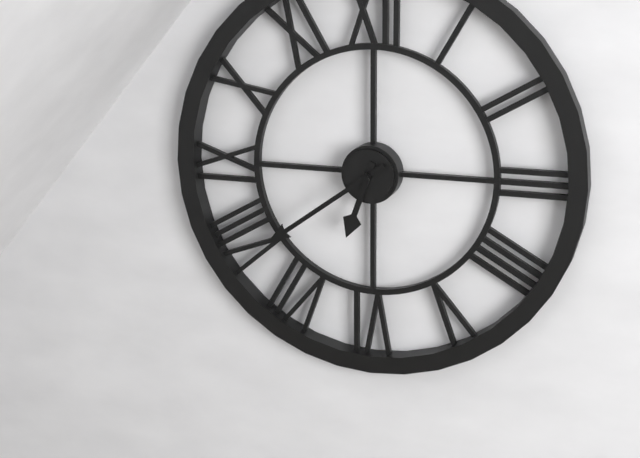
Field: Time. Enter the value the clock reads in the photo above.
6:39
